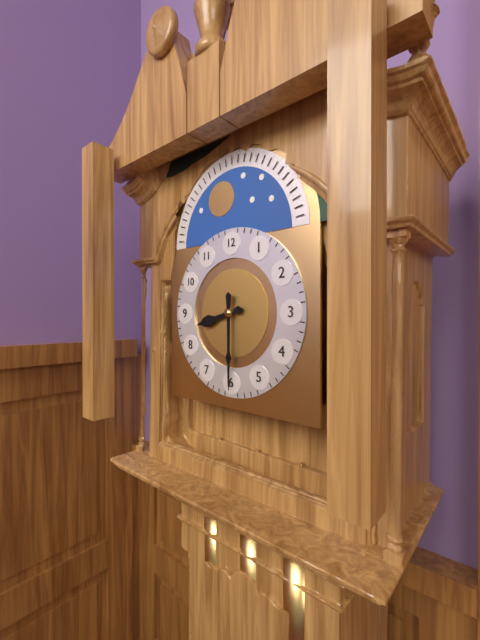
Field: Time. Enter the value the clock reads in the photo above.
8:30
